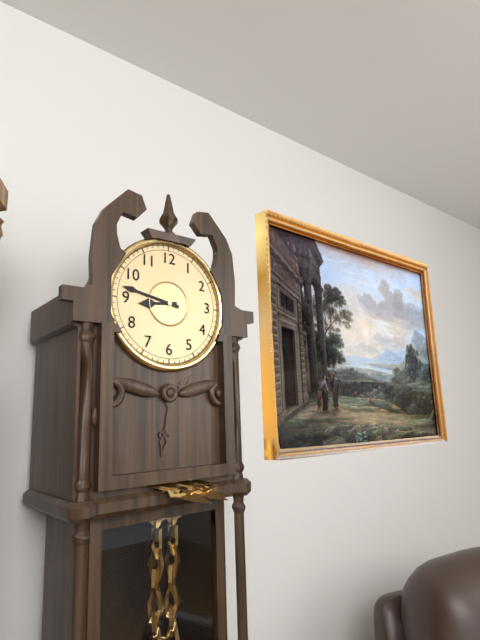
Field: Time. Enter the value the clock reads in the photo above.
8:47
